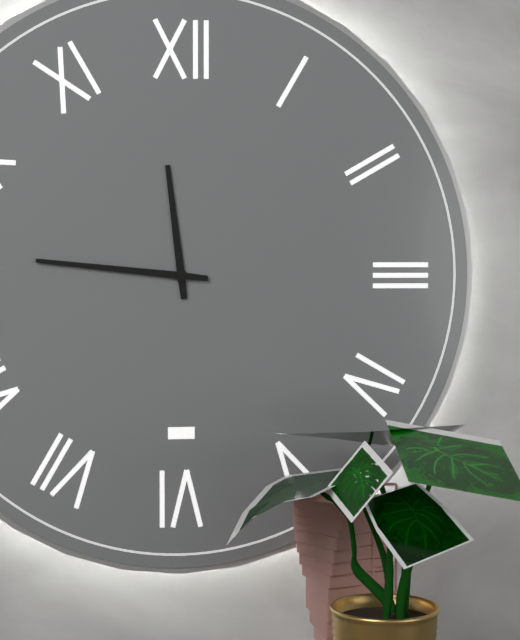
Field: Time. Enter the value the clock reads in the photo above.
11:46
